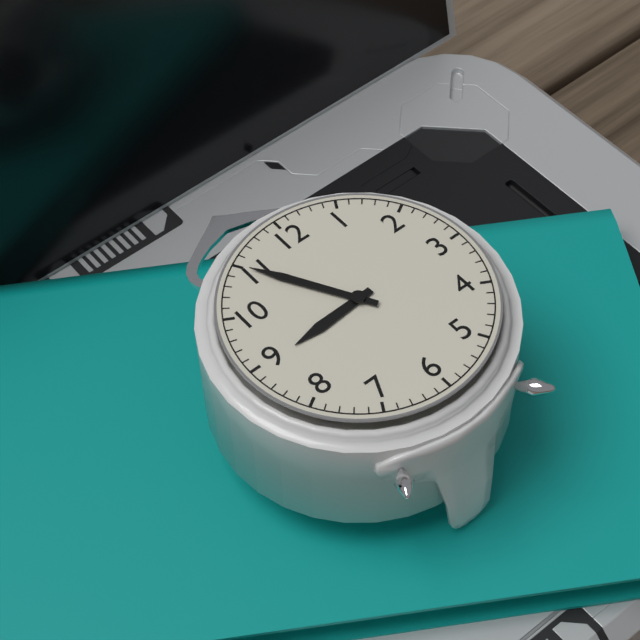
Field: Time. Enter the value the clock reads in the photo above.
8:55
